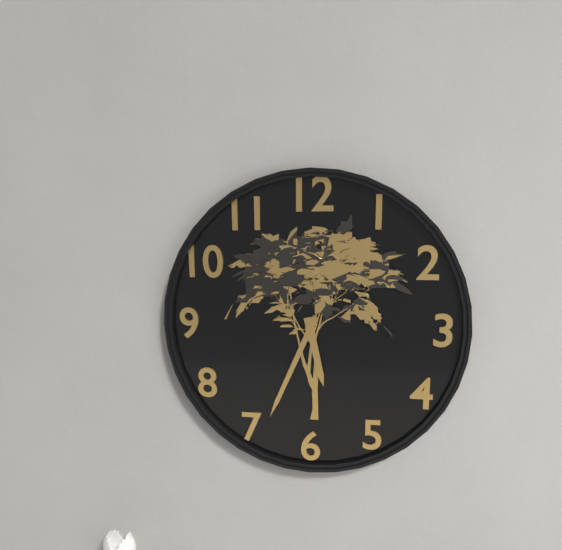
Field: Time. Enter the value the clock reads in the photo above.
5:34
